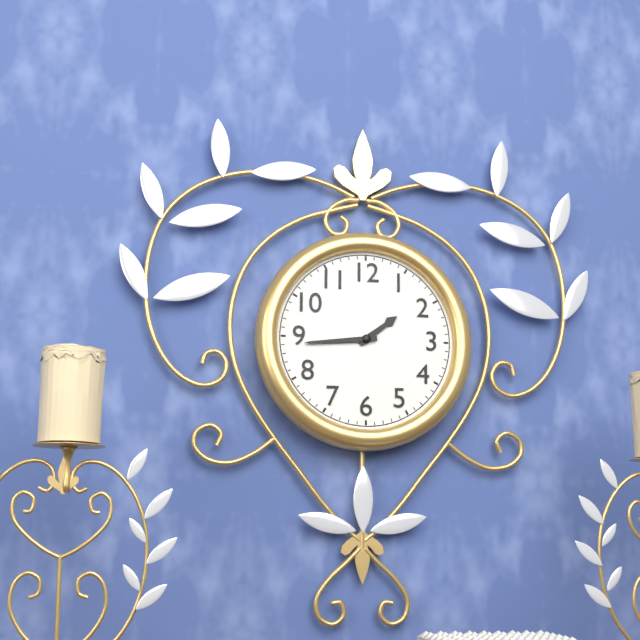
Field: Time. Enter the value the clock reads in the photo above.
1:44
